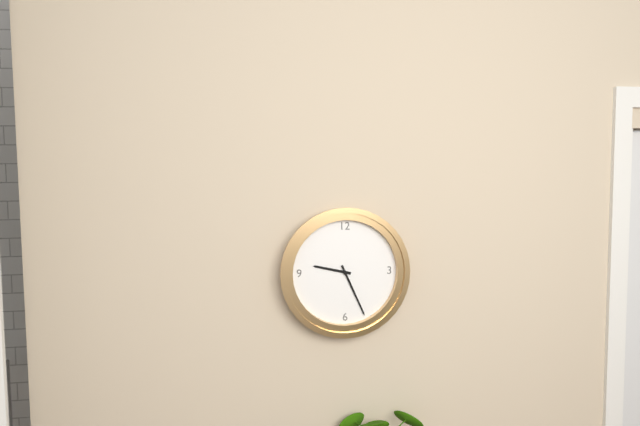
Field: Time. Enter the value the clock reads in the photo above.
9:26
